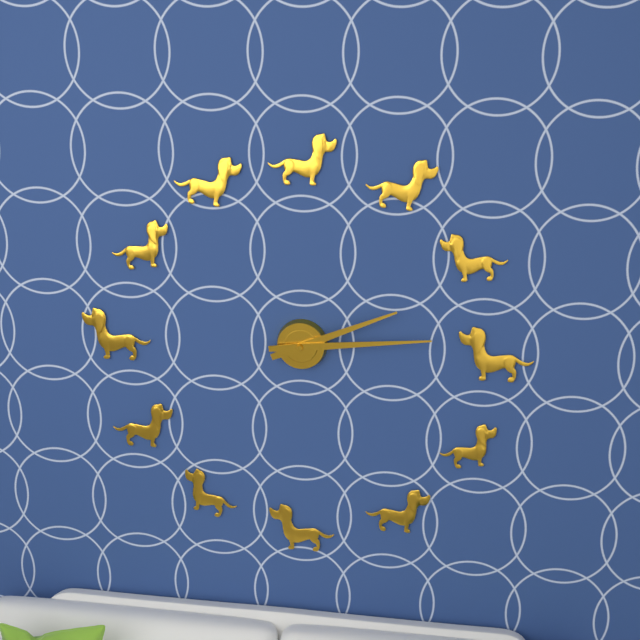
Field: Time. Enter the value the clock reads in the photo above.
2:14
